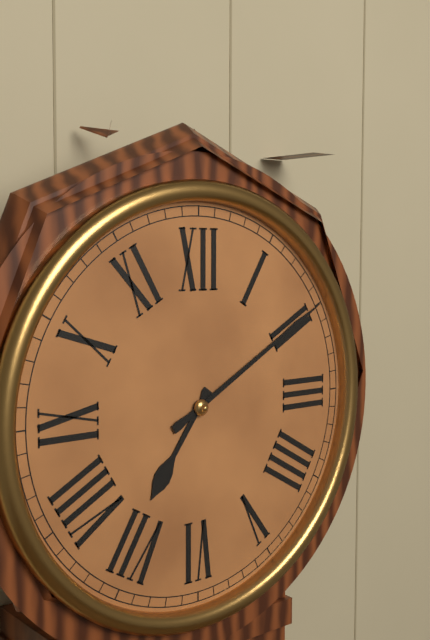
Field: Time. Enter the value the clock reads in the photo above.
7:10
